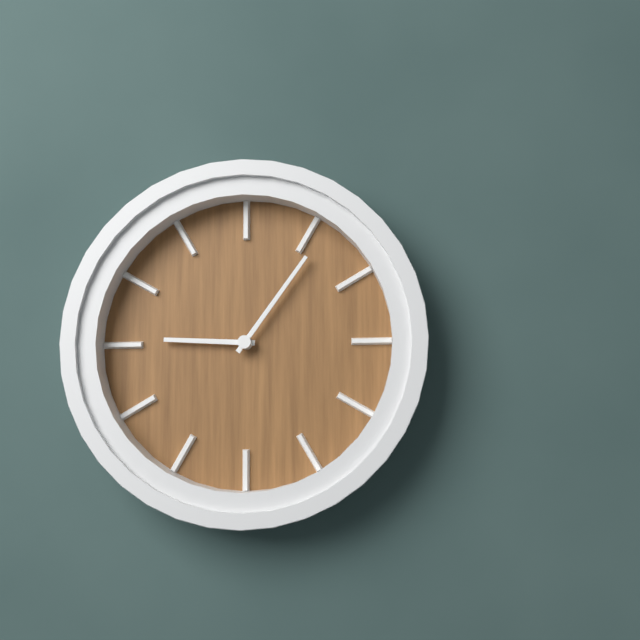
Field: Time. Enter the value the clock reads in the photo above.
9:06
